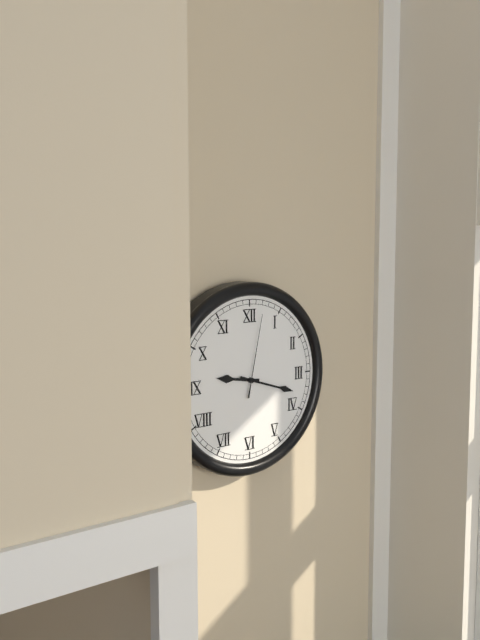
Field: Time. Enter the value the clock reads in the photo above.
9:18:02
